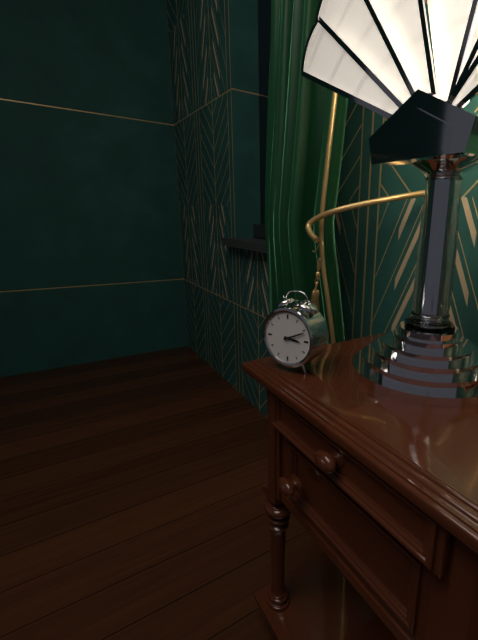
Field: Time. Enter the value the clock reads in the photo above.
3:11
